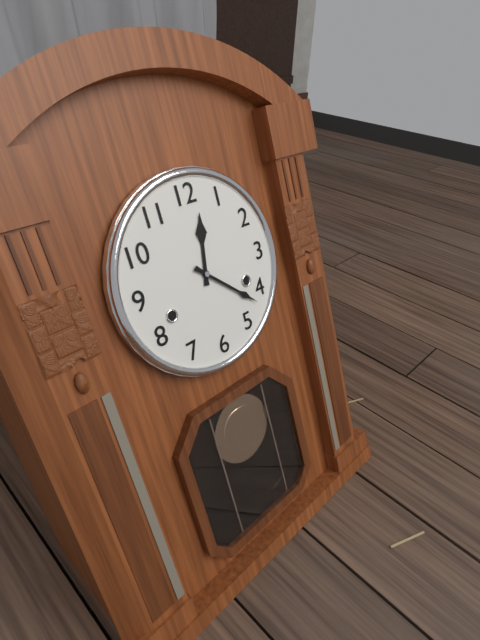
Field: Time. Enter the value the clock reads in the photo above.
12:22
